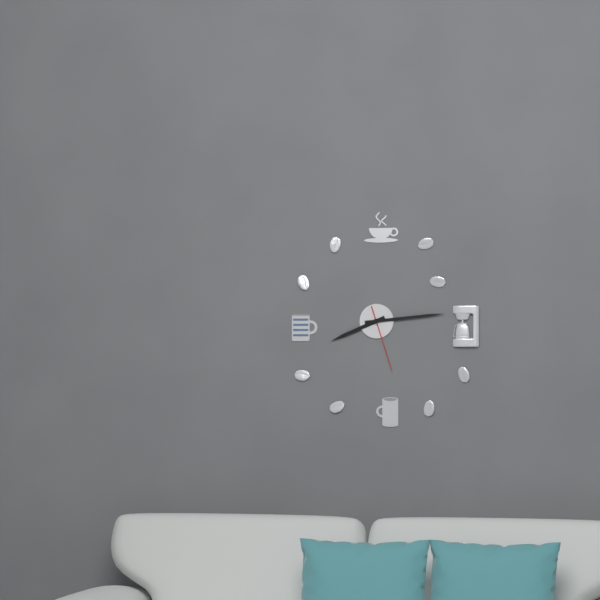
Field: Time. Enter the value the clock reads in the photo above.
8:14:27
